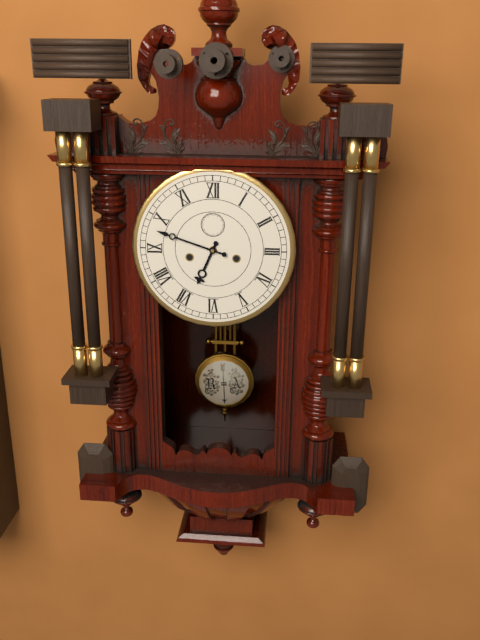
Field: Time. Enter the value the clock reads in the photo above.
6:48
